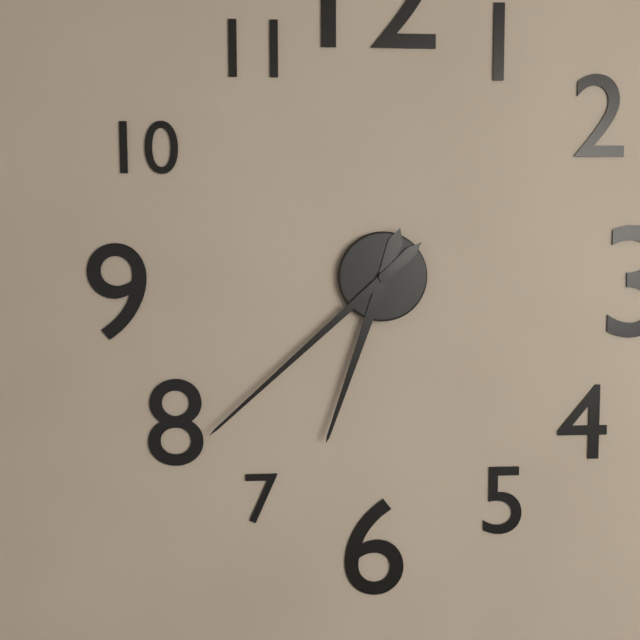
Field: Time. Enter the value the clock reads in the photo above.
6:38
